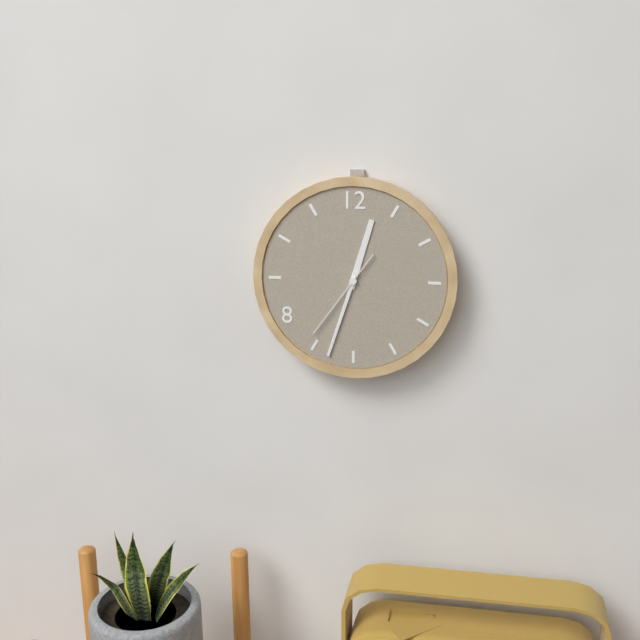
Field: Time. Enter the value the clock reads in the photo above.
12:33:36
